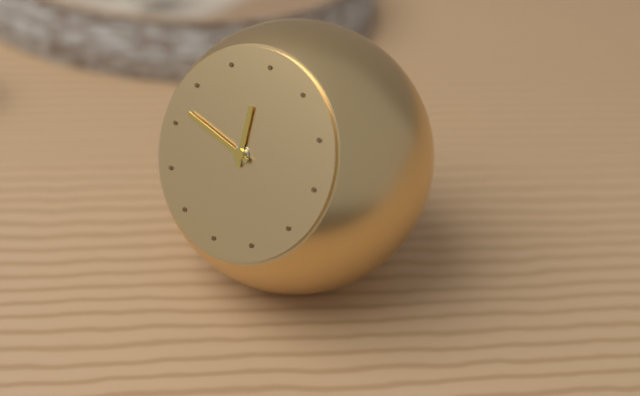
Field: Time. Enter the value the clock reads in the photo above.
11:47
